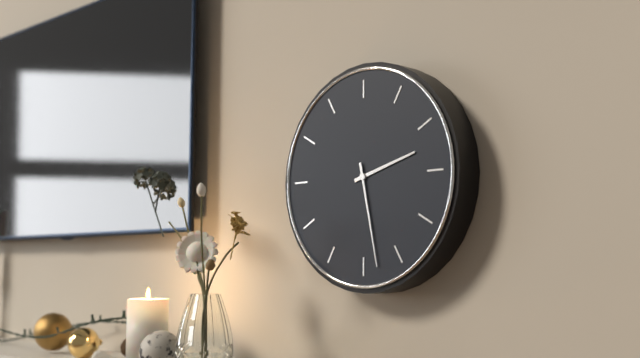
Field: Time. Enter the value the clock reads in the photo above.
2:28
